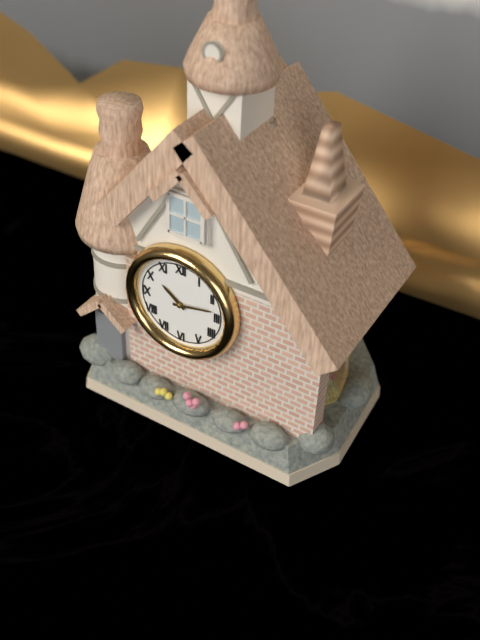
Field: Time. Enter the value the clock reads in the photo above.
10:13
